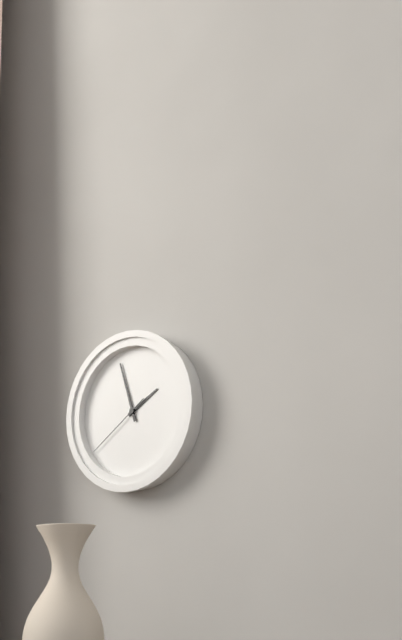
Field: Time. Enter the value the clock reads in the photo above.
1:57:39
